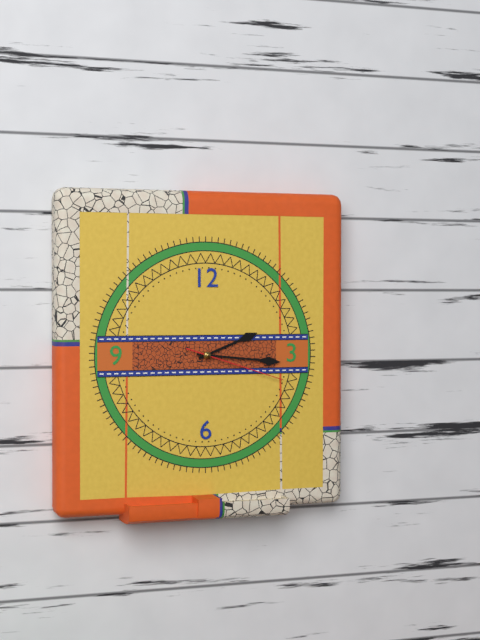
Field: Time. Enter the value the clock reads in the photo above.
2:16:18
